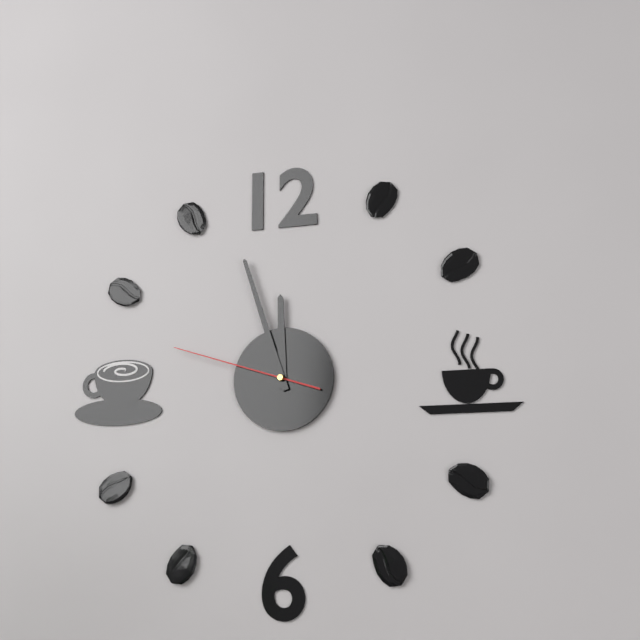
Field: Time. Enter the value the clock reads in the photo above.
11:57:48
